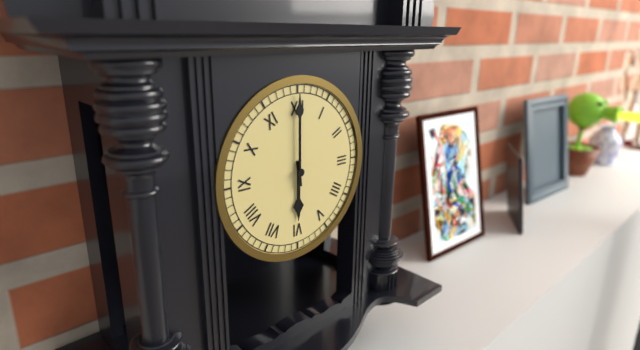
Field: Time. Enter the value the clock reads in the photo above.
6:00
